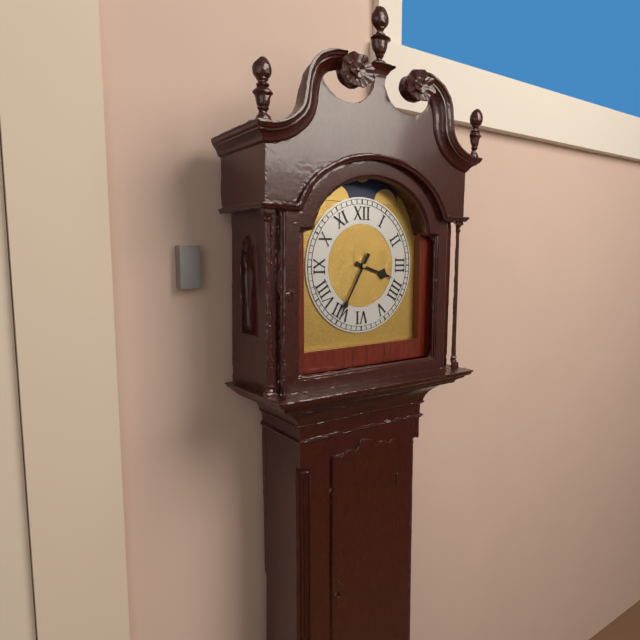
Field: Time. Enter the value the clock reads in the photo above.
3:35
